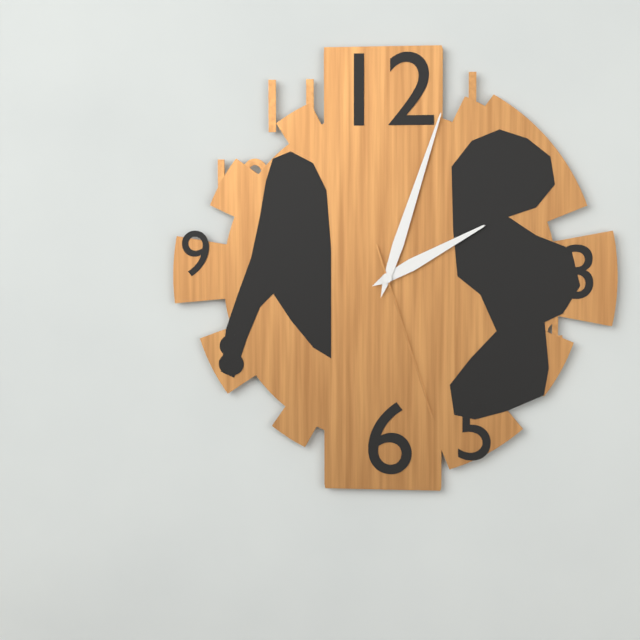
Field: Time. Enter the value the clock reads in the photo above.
2:03:27
